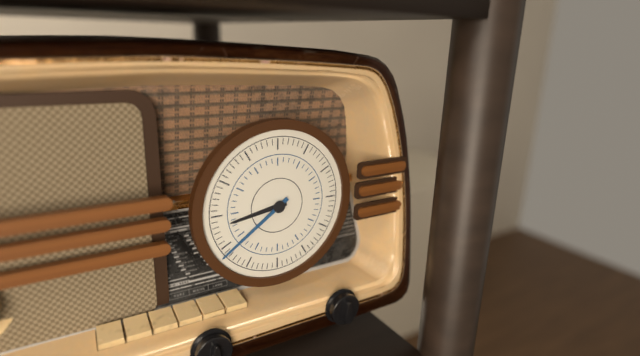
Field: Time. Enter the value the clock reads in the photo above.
8:39
